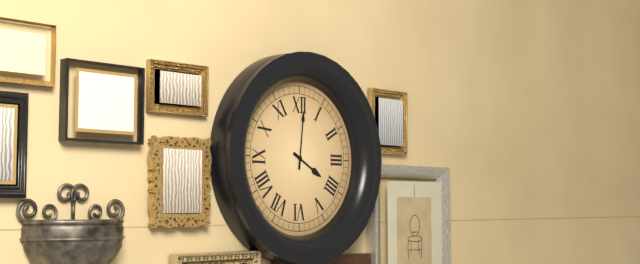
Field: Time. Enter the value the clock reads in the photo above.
4:01
